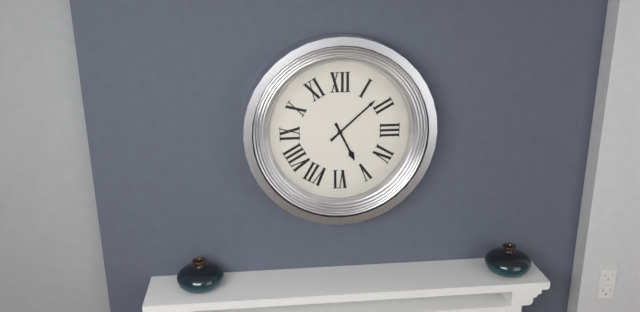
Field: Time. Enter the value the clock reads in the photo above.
5:08
